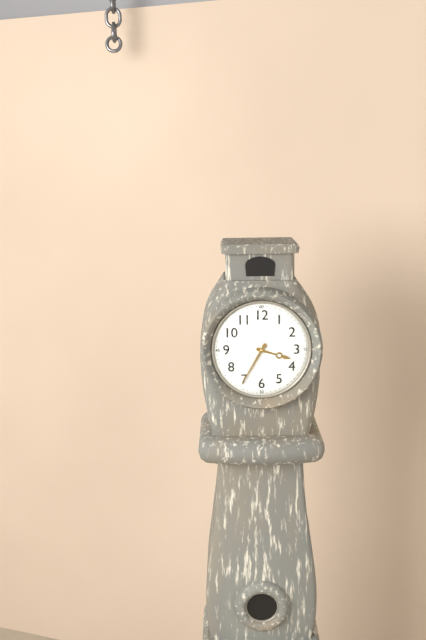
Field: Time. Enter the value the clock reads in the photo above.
3:35
